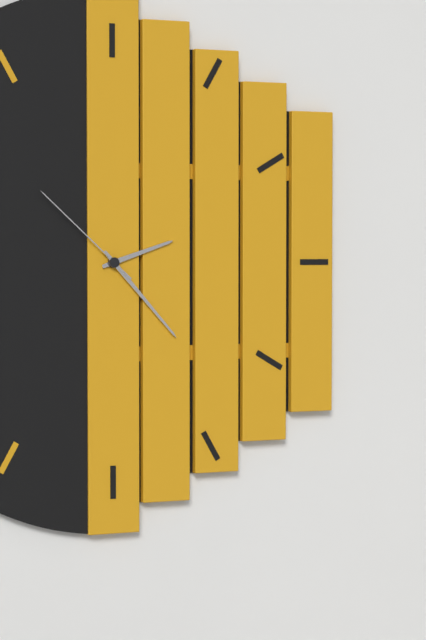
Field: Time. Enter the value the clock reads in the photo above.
2:23:52
